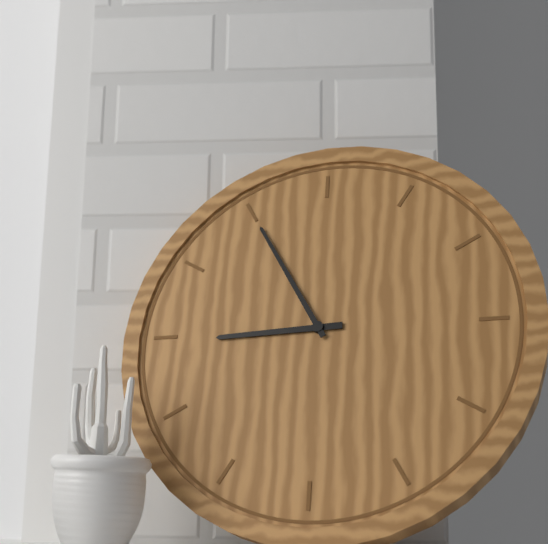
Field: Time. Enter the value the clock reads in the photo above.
8:55
